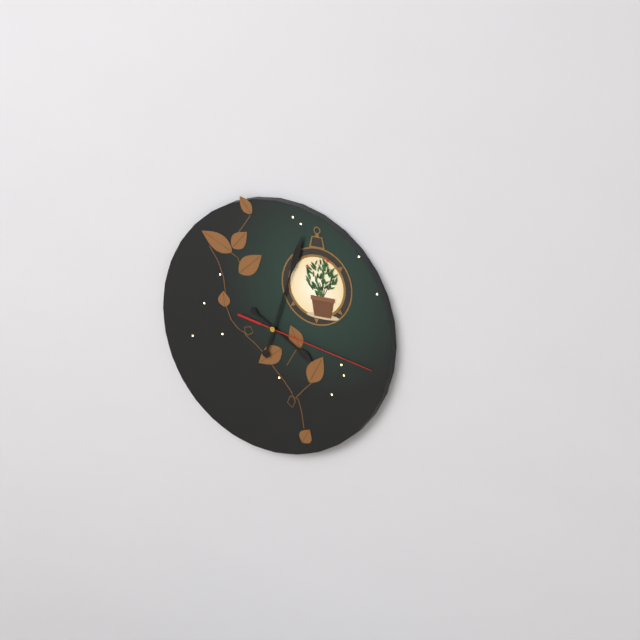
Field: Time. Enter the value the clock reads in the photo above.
4:03:17
